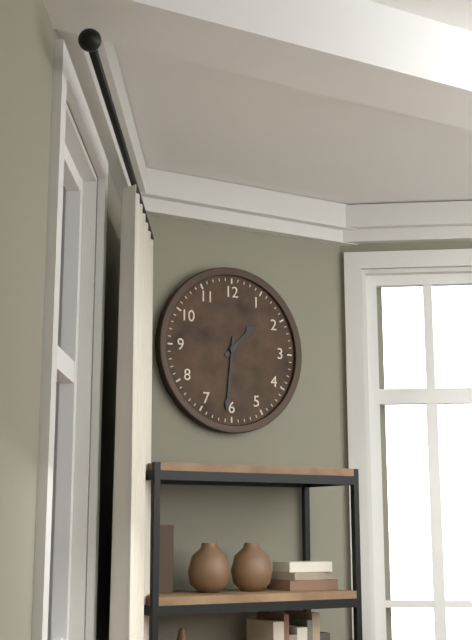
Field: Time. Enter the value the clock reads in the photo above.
1:31
